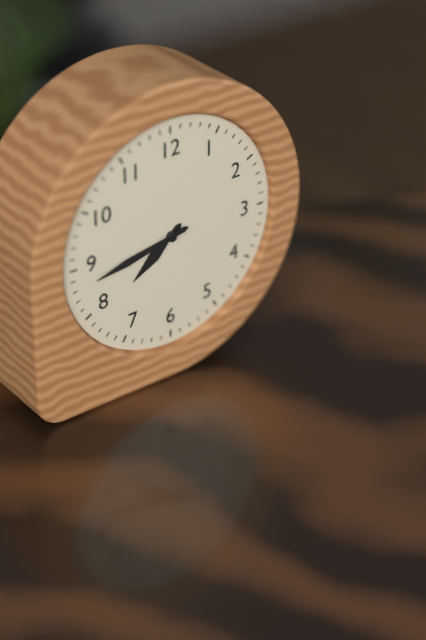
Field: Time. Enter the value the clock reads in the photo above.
7:43
